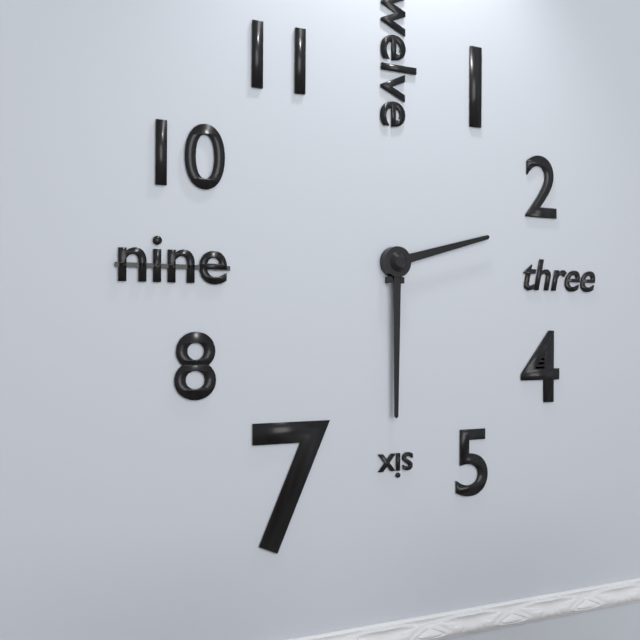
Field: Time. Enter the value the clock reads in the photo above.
2:30
